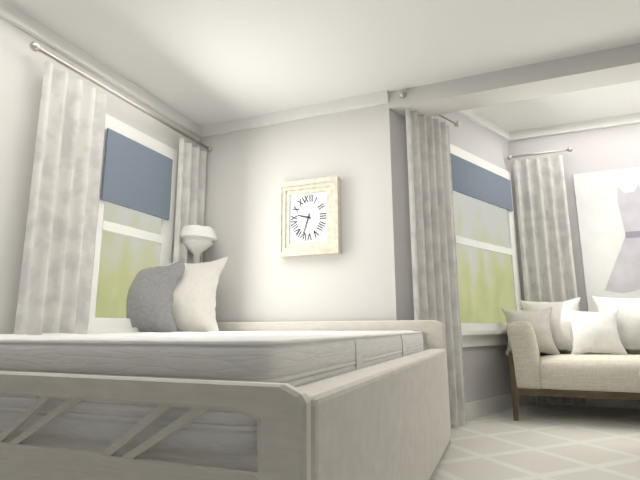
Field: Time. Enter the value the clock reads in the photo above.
9:33
